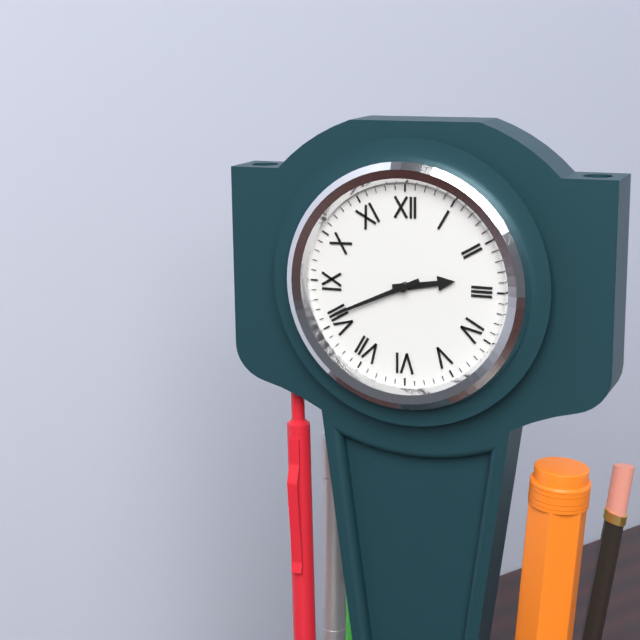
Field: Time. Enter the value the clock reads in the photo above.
2:41
